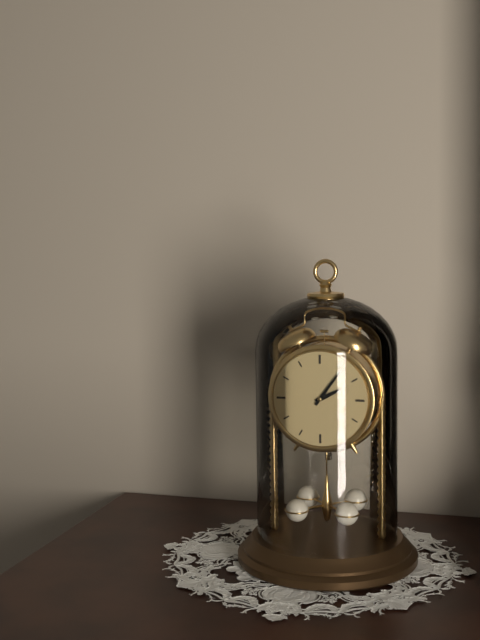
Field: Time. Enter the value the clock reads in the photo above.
2:06
